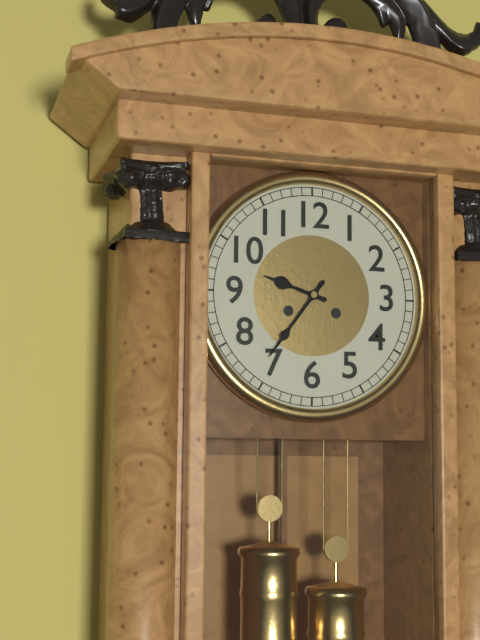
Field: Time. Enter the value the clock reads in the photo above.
9:36
